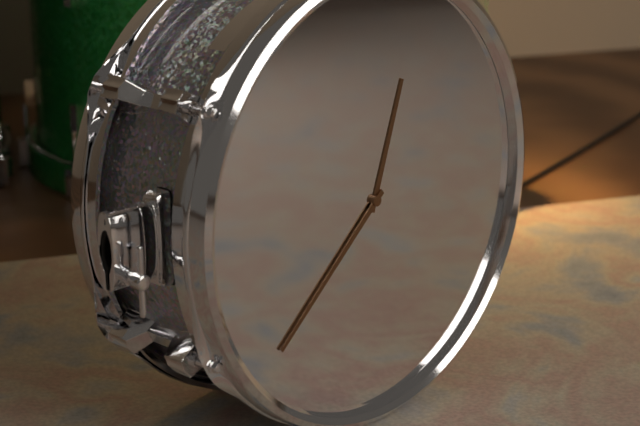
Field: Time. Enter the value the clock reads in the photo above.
12:38
